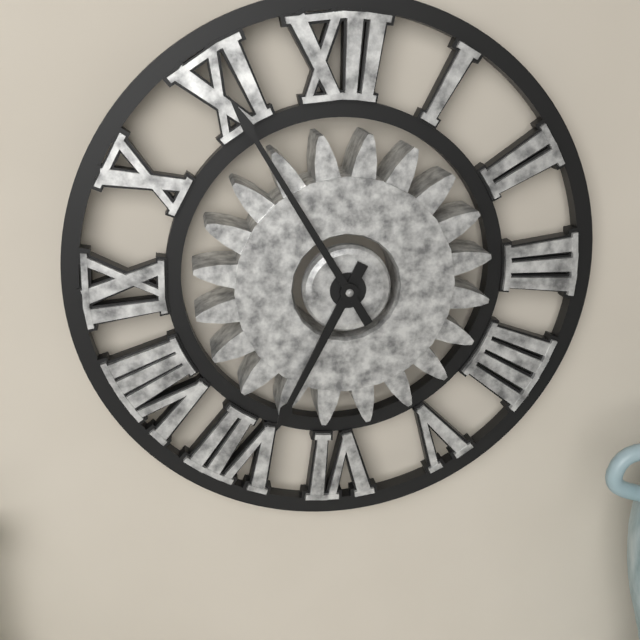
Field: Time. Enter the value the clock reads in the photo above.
6:55
